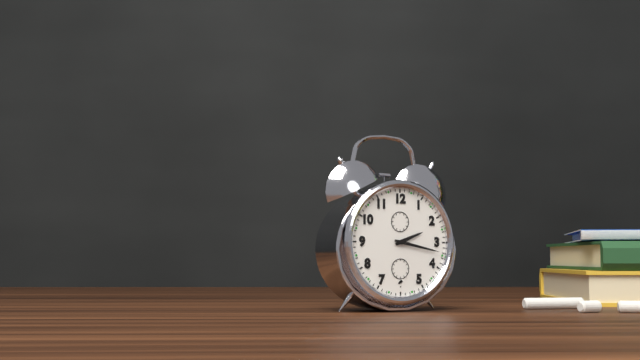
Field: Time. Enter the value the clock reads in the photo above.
2:17
